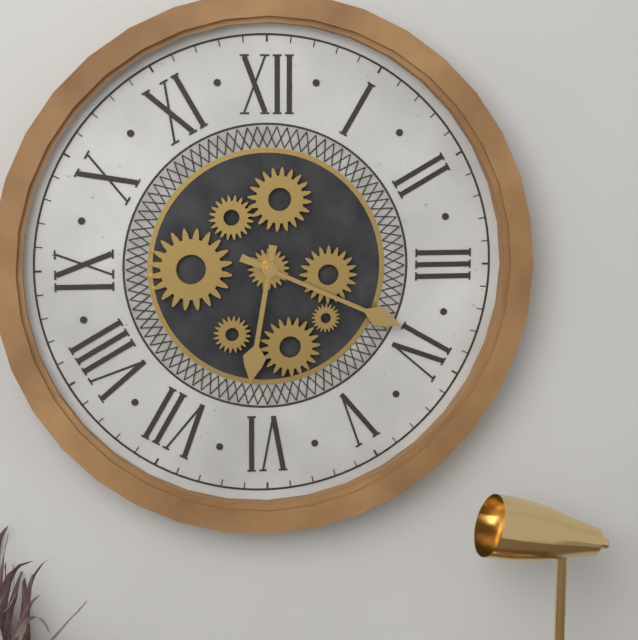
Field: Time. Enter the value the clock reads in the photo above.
6:19
